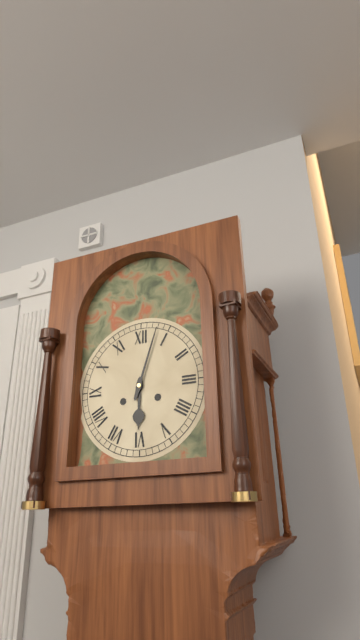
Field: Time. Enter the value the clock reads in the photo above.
6:03
